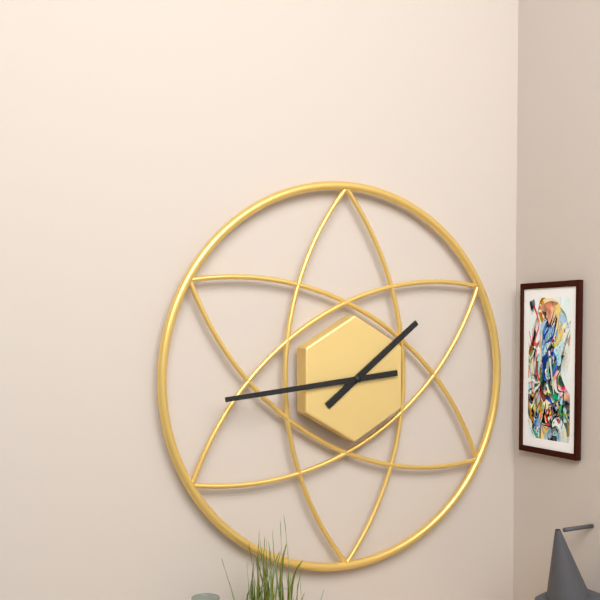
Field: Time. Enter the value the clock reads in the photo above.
1:44
